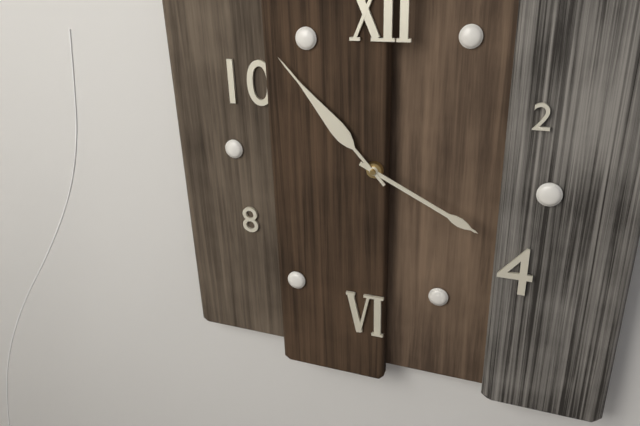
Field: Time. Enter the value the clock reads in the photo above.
3:53
